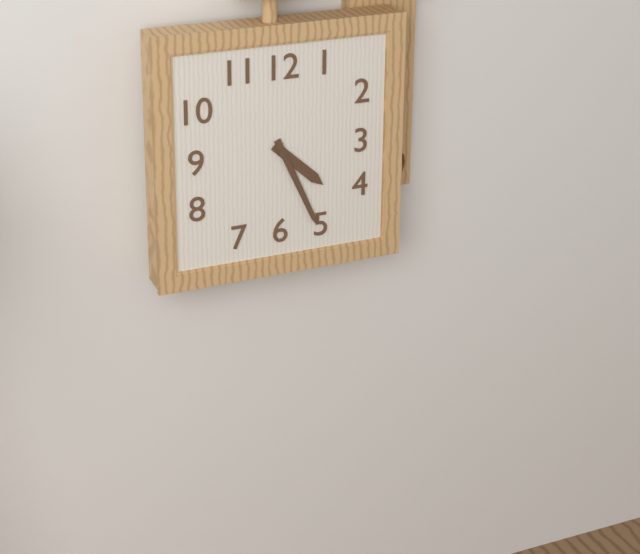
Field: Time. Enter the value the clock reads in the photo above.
4:26
